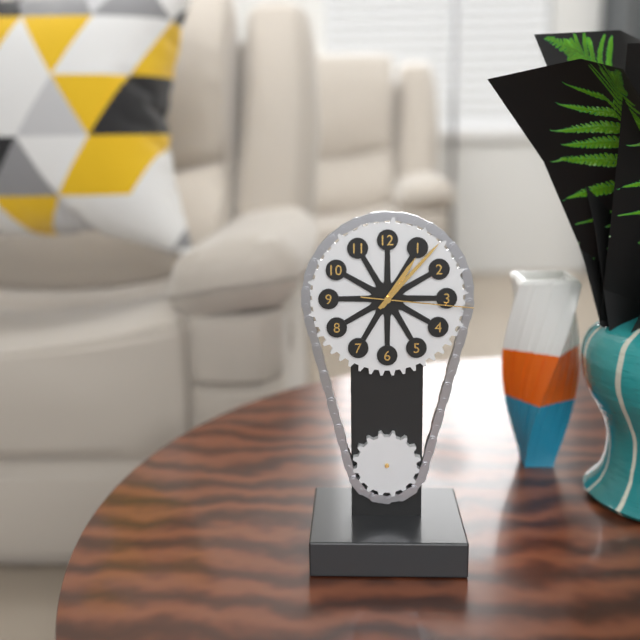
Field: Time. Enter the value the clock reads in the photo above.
1:07:16
